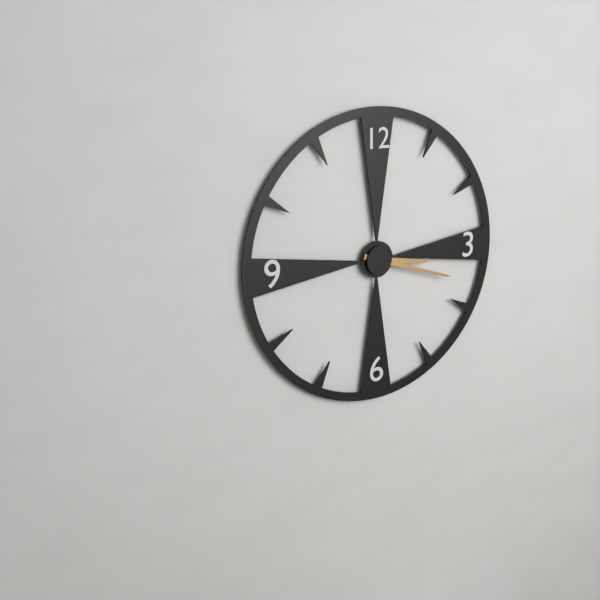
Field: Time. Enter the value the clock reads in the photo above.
3:18
